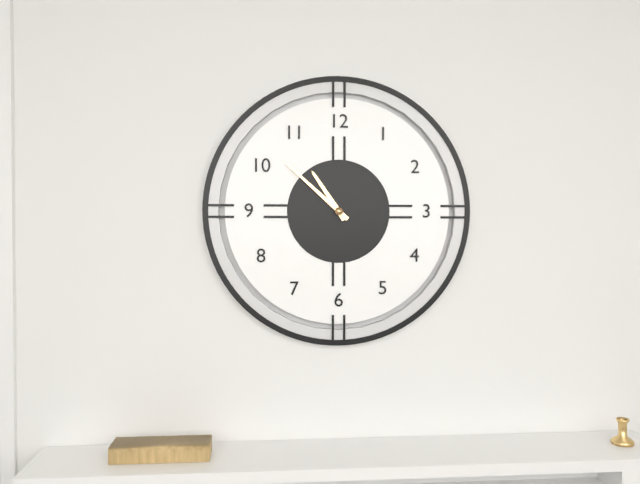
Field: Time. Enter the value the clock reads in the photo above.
10:52
